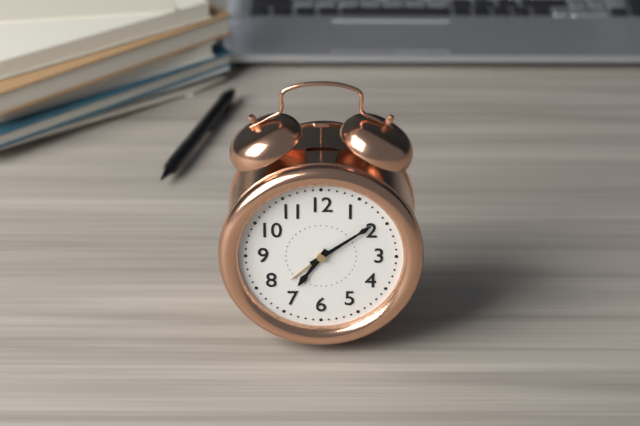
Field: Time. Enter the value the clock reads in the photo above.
7:09
